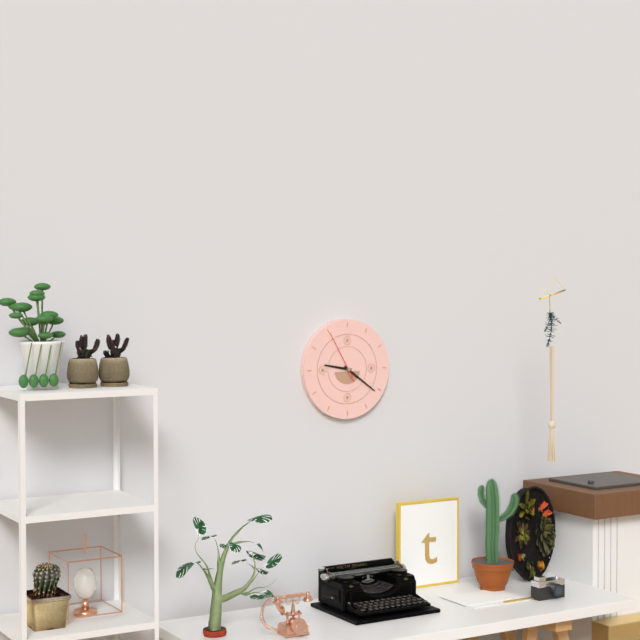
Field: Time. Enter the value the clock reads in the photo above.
9:21
